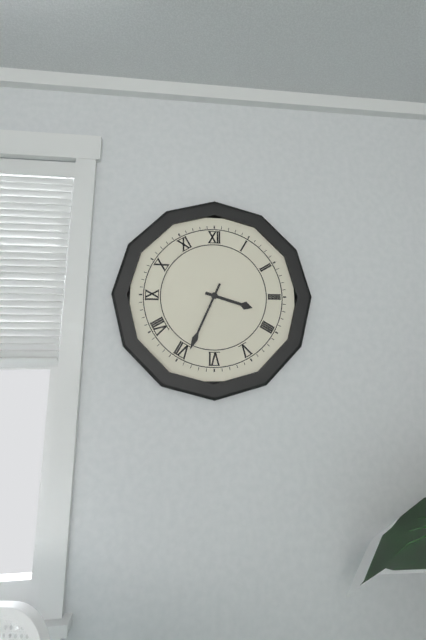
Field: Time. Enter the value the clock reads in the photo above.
3:34
